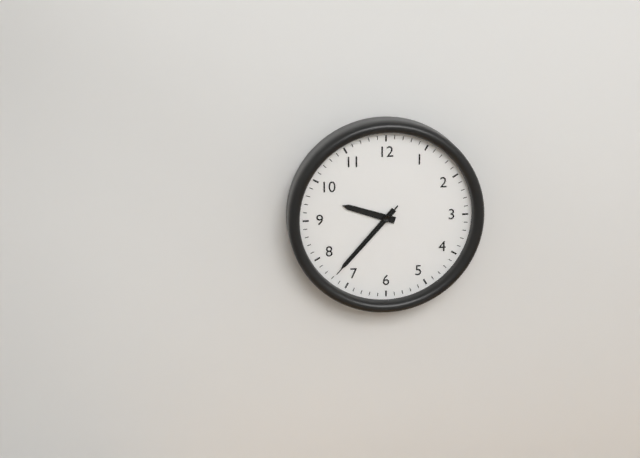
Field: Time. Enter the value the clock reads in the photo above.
9:37:37
